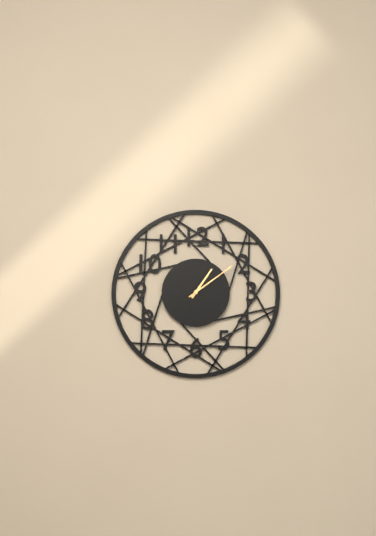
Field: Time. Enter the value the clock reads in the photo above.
1:09
